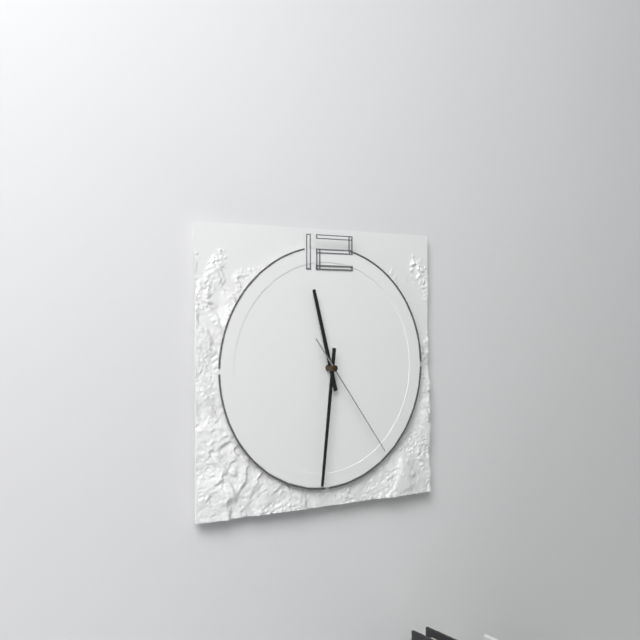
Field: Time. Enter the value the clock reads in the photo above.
11:31:24
